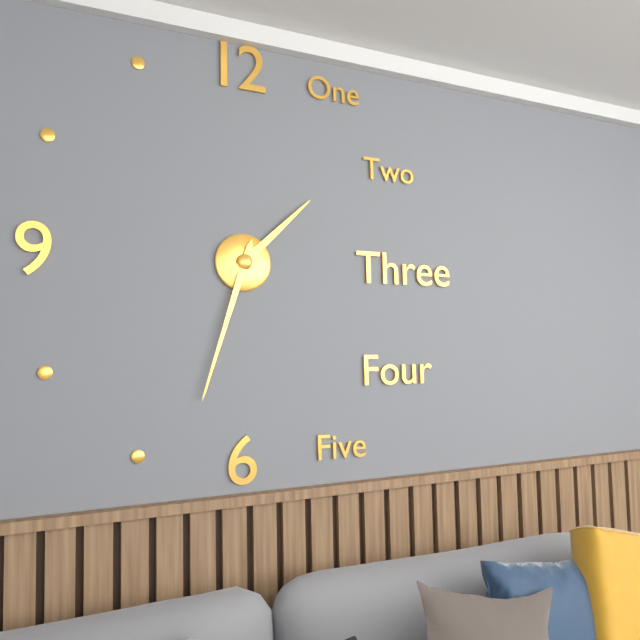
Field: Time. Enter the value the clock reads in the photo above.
1:33
